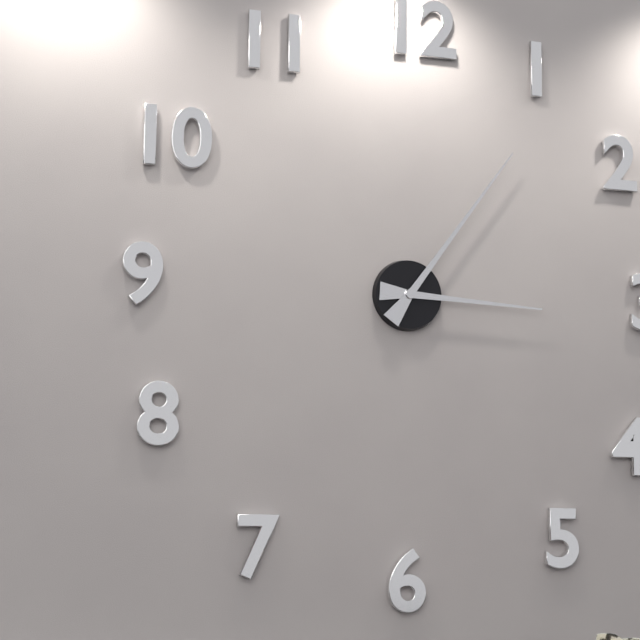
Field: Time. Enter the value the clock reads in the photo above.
3:06
